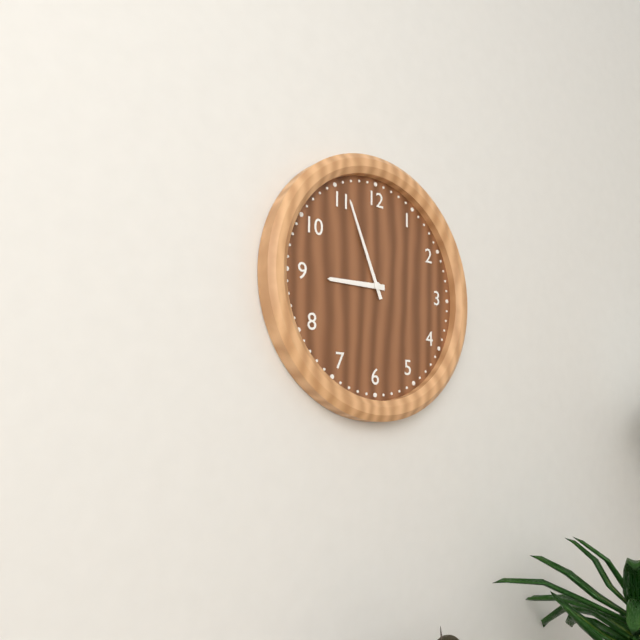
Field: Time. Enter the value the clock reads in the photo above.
8:56
